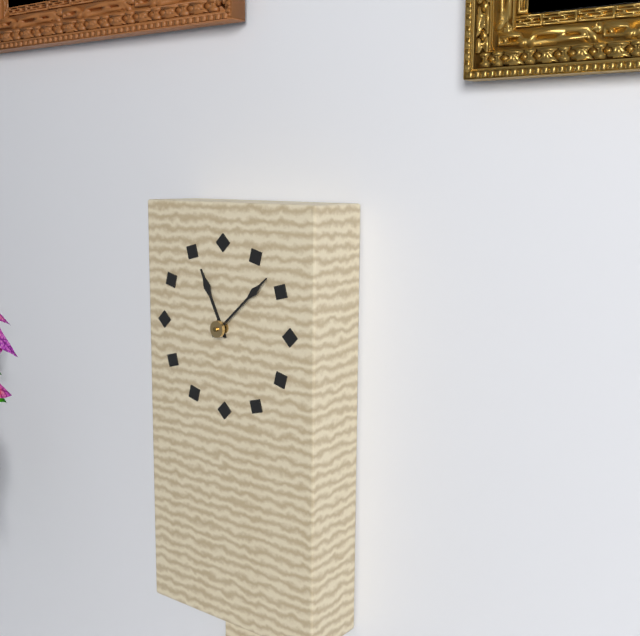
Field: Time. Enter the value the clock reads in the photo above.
11:08
